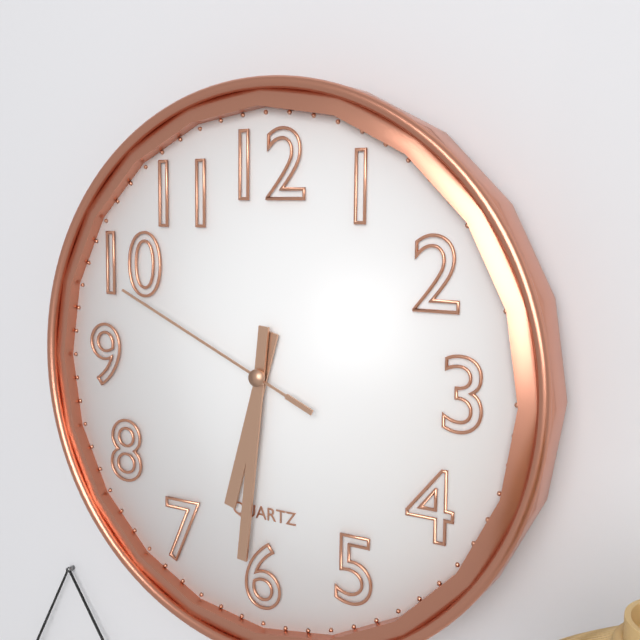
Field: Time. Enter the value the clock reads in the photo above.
6:31:49
